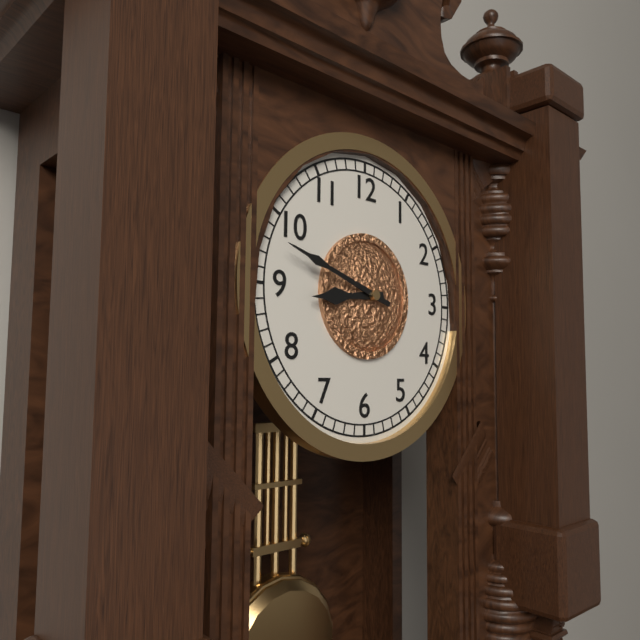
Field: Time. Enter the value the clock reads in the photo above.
8:48
